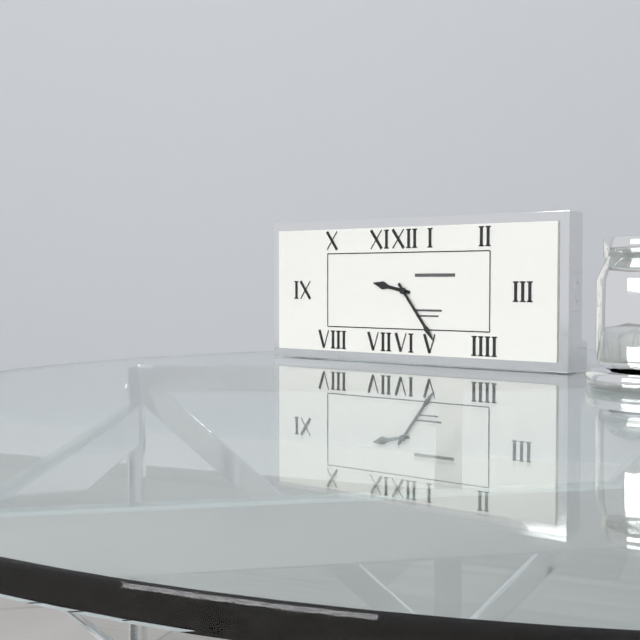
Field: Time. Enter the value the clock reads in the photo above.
9:24
